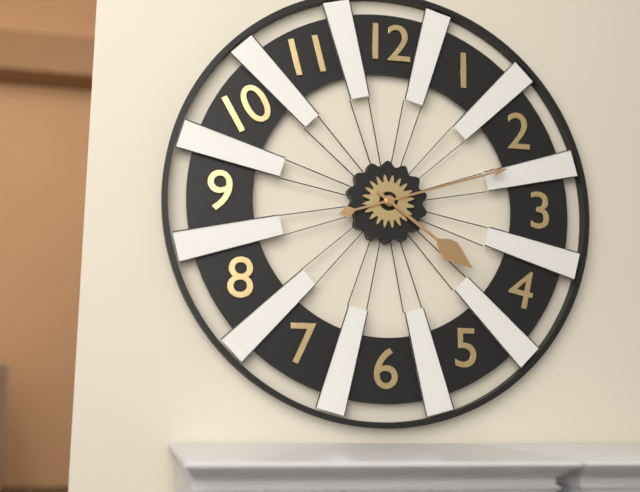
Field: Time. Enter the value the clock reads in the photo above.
4:12
